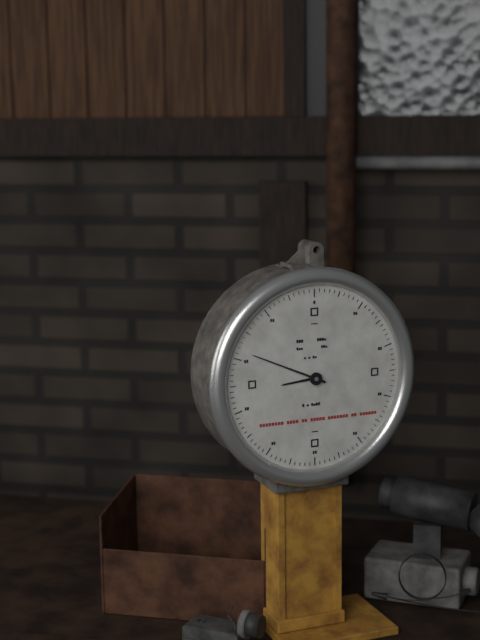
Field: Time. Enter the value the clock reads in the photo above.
8:49
